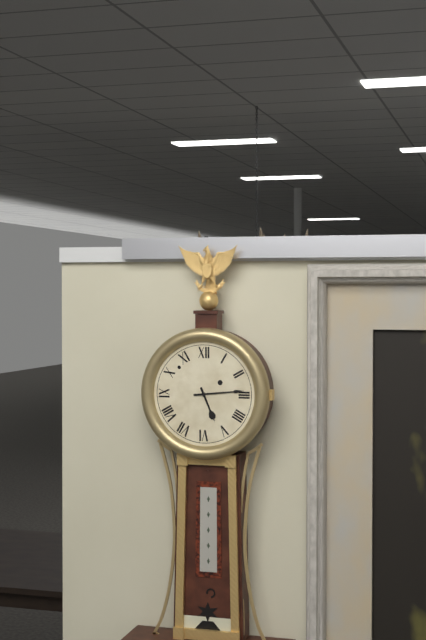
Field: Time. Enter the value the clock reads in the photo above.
5:14
